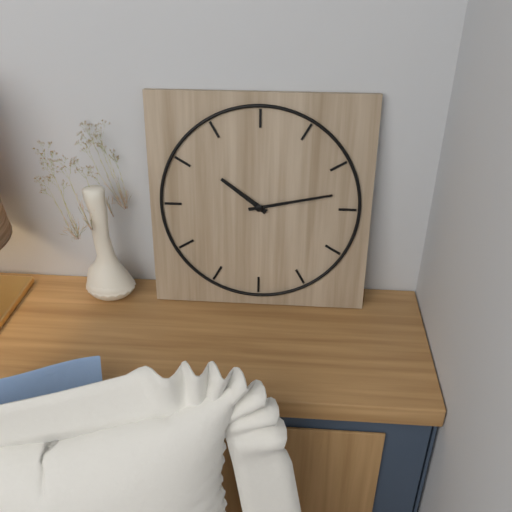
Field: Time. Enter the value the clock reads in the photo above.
10:13
